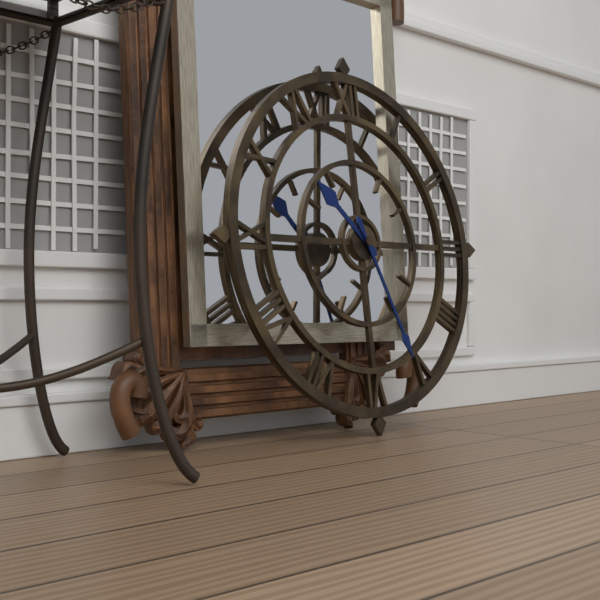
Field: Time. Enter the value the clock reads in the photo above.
10:26
